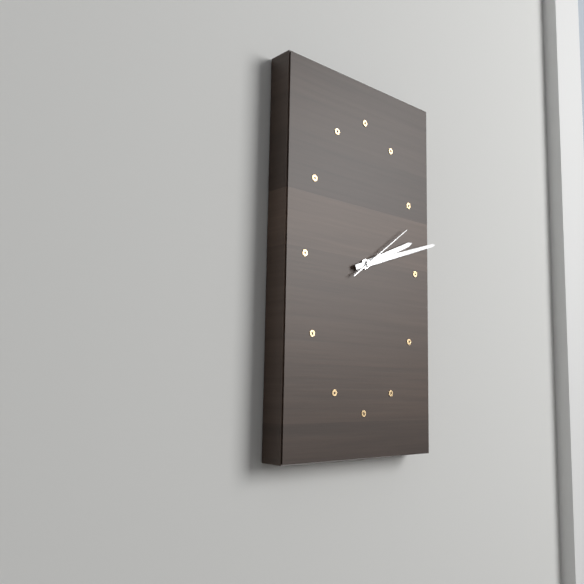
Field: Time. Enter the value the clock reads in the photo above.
2:12:09
